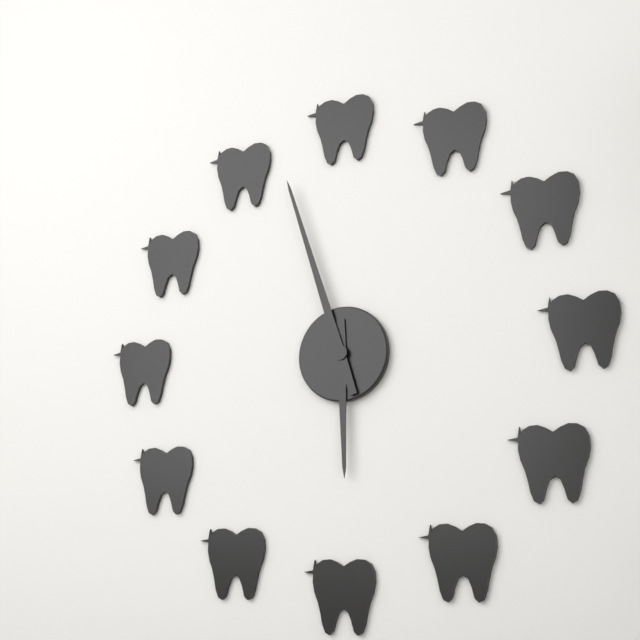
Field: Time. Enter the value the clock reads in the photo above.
5:57
